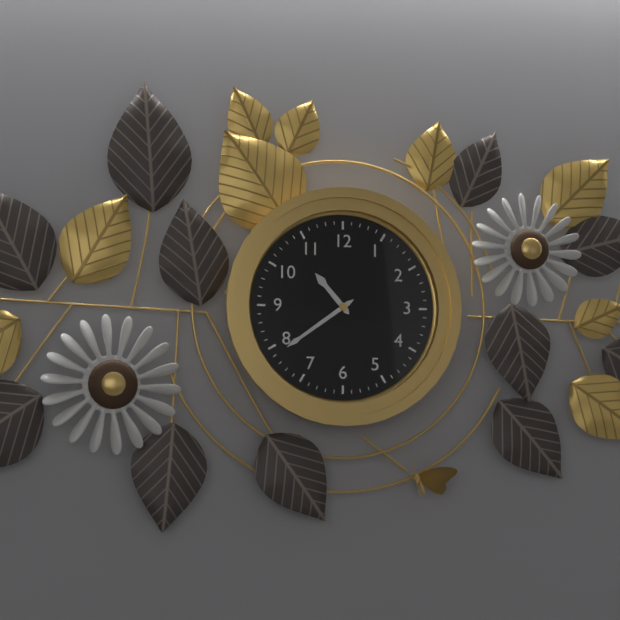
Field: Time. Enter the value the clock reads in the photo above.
10:39
